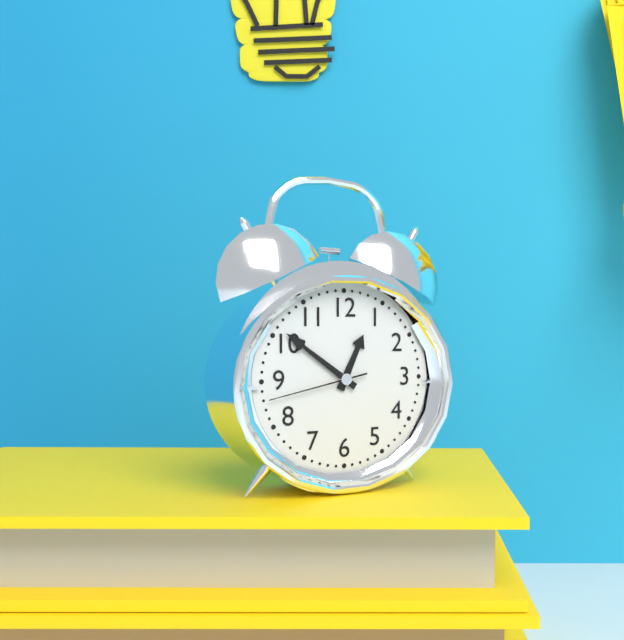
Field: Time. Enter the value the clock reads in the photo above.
12:51:43
